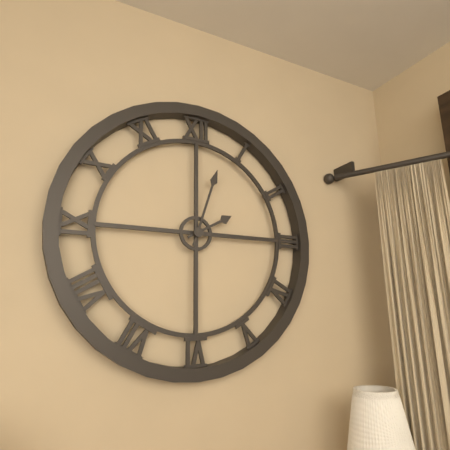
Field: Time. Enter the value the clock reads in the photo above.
2:03
